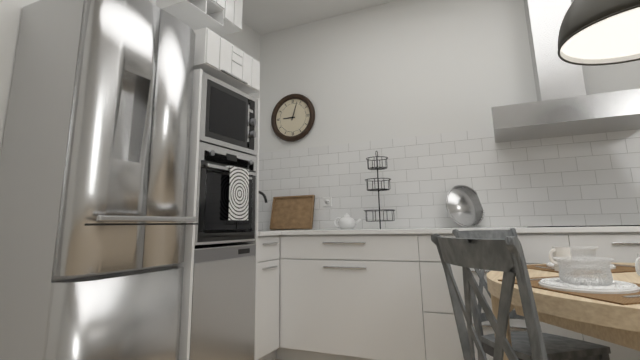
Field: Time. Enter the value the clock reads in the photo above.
9:03
